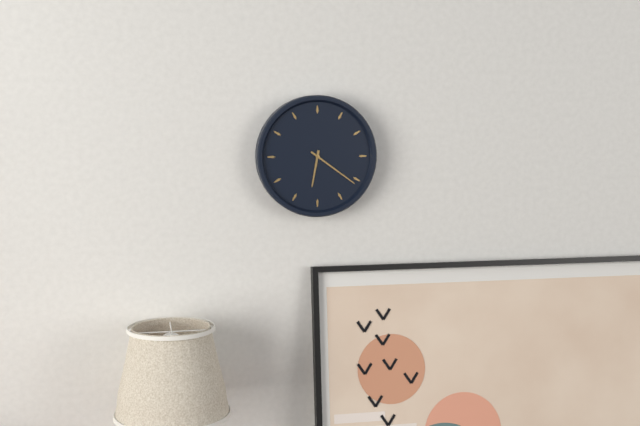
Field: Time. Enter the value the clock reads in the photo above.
6:21
